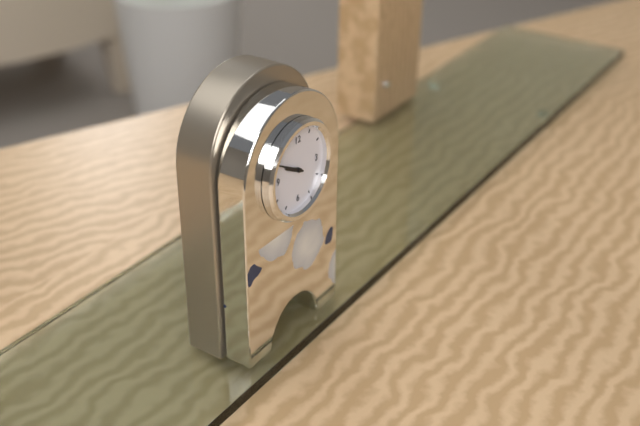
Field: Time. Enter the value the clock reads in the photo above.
9:50
